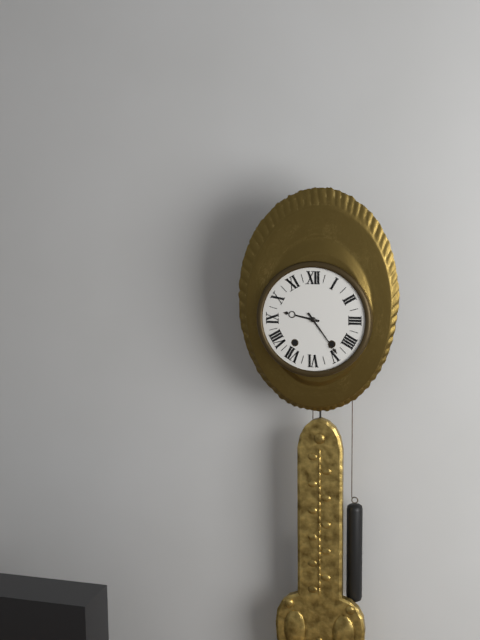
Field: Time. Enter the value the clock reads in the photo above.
9:24
